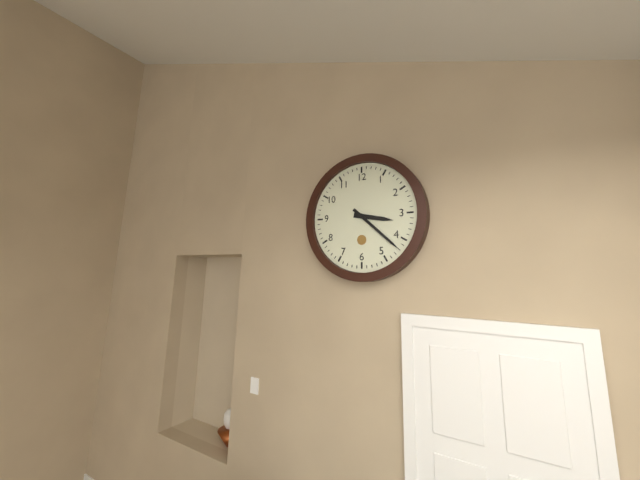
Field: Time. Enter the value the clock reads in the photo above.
3:22
